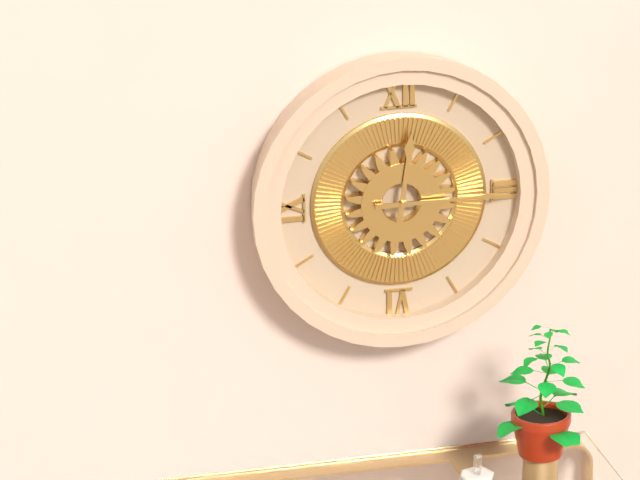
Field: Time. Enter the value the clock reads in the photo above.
12:15
